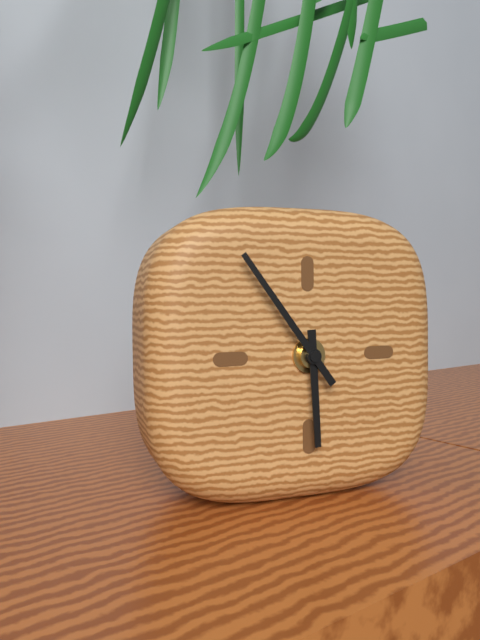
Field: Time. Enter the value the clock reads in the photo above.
5:54
